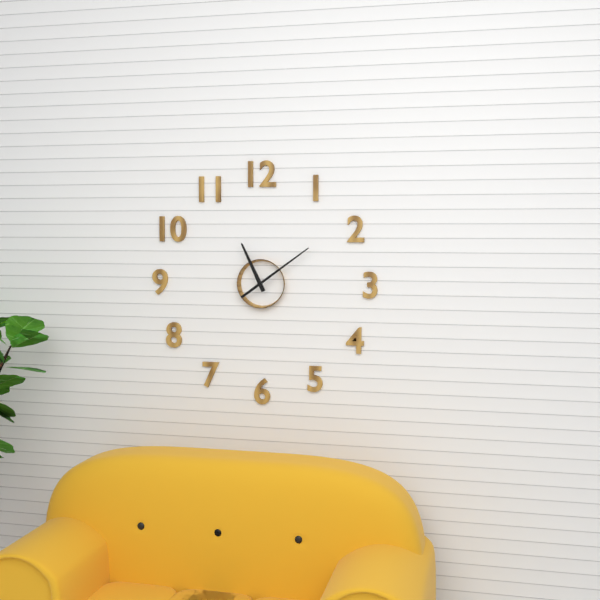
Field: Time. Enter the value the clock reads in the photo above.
11:09
